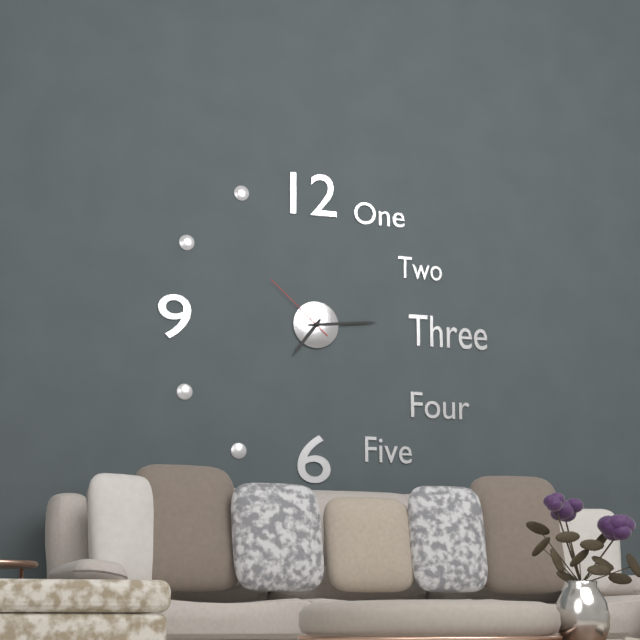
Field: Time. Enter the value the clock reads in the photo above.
7:14:52
